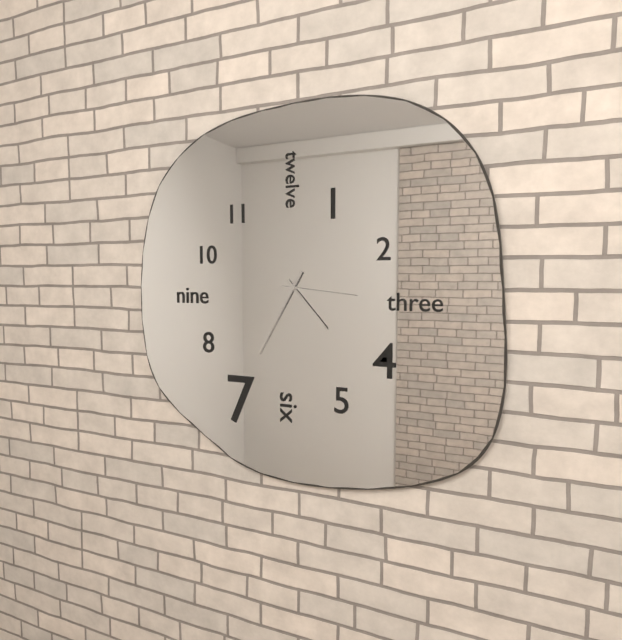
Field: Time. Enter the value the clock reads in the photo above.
4:35:16
